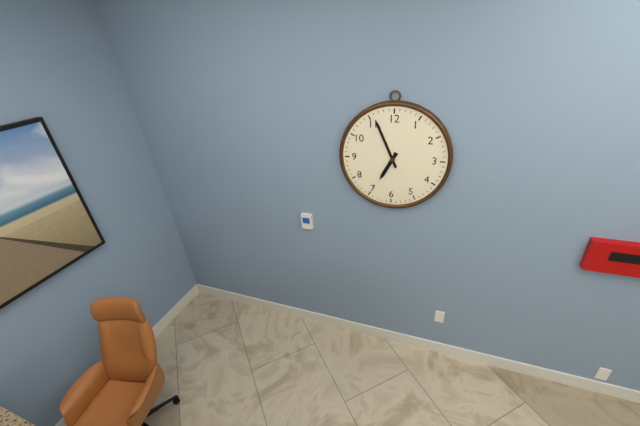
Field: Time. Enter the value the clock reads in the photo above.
6:56
